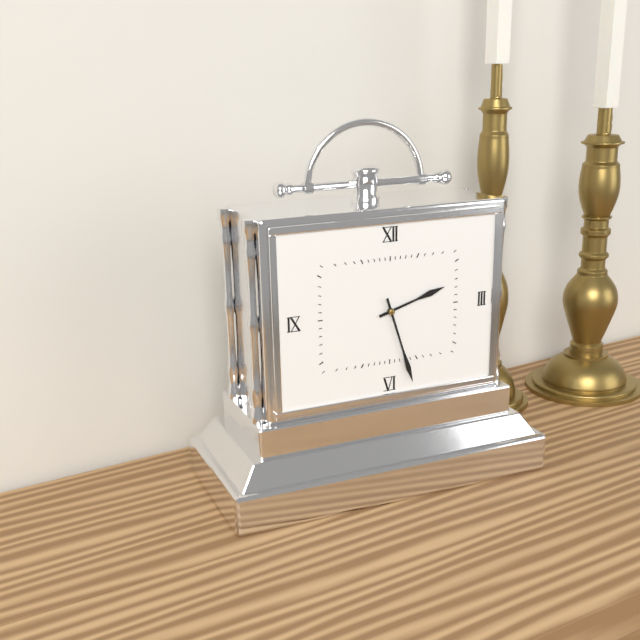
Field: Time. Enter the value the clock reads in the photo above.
2:27
